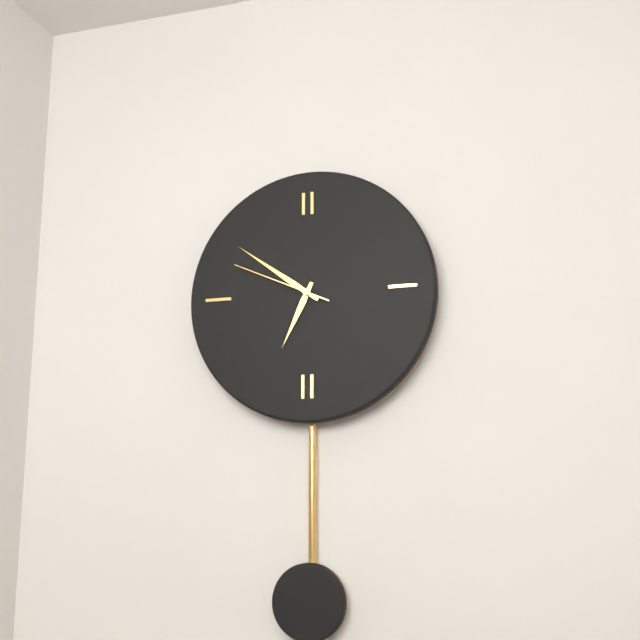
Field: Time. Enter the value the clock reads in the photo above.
6:51:49
